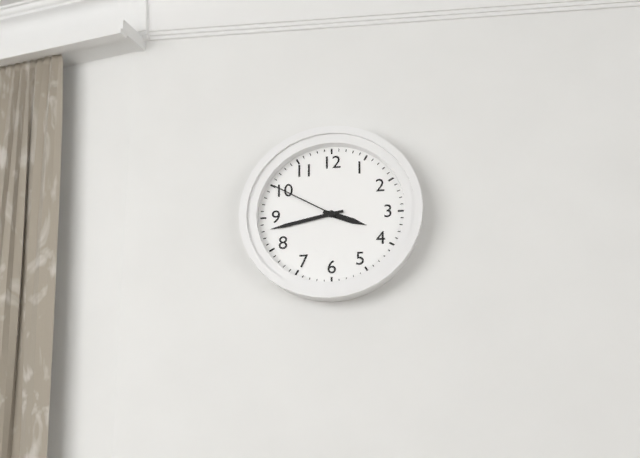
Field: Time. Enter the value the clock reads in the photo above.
3:43:50
